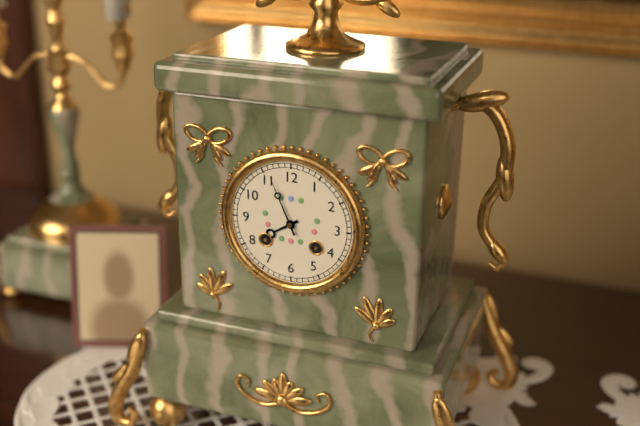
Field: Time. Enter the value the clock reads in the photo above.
7:56
